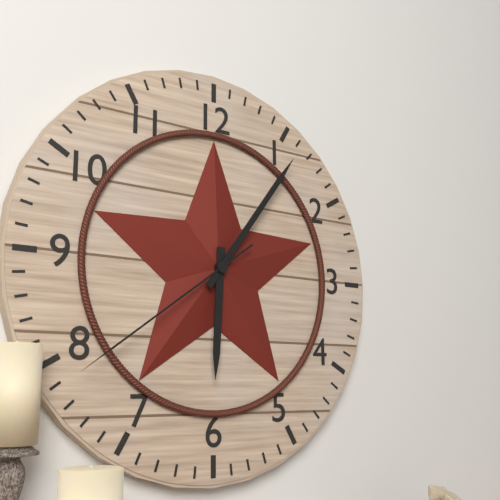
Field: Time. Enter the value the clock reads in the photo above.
6:06:39
